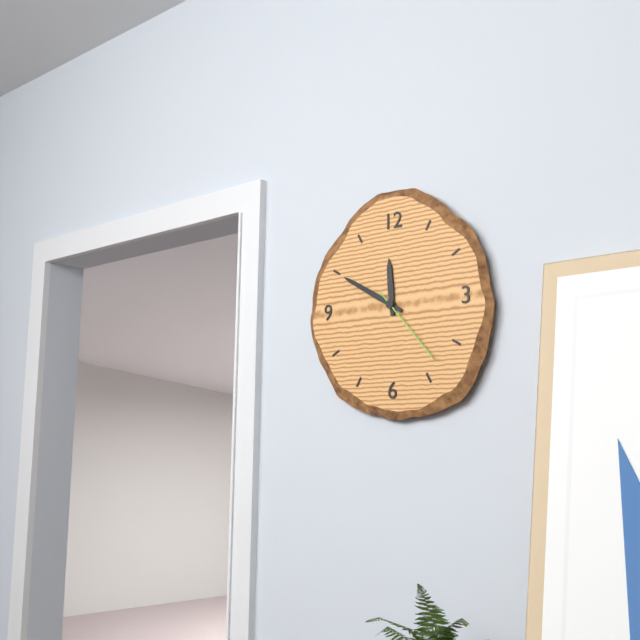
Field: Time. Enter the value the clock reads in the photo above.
11:50:23
